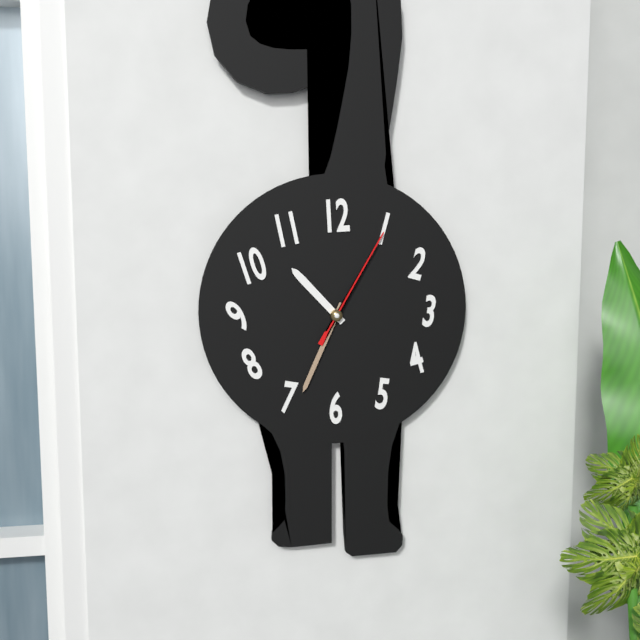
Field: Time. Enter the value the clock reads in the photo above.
10:34:05
